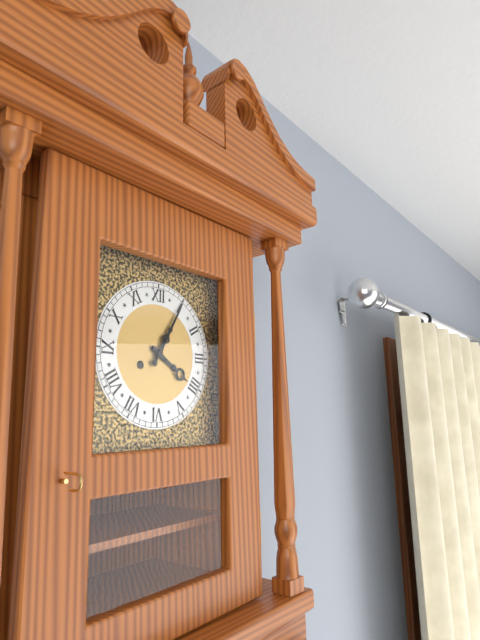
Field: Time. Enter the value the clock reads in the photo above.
4:05
